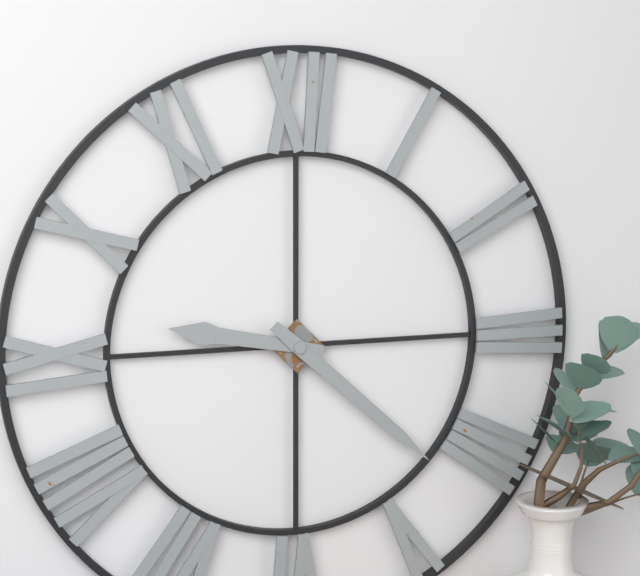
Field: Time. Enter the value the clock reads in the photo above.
9:22
